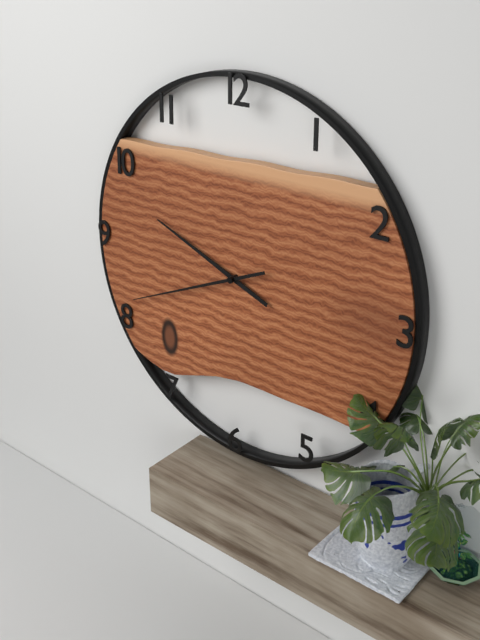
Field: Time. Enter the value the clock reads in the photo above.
9:41
